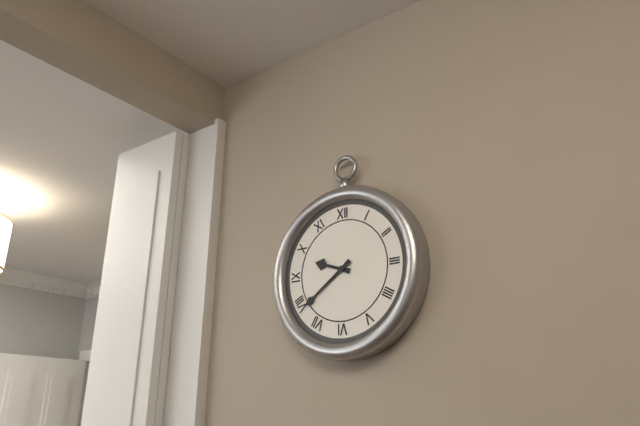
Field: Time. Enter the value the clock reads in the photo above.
9:39
